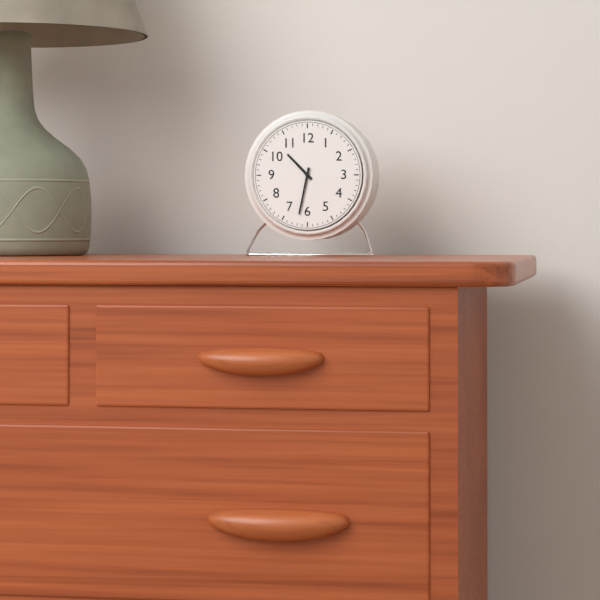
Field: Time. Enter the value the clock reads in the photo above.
10:32
